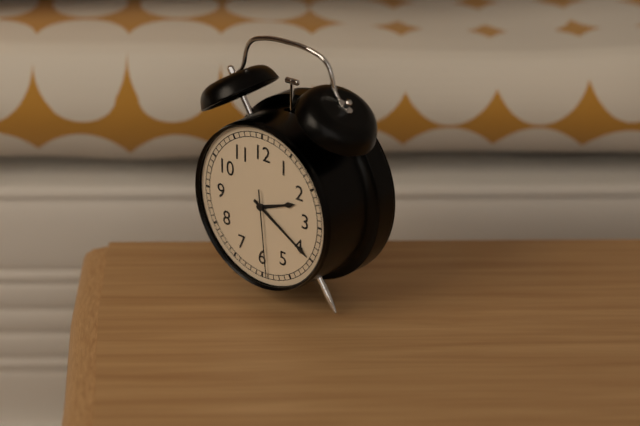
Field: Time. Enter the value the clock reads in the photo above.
2:20:29
